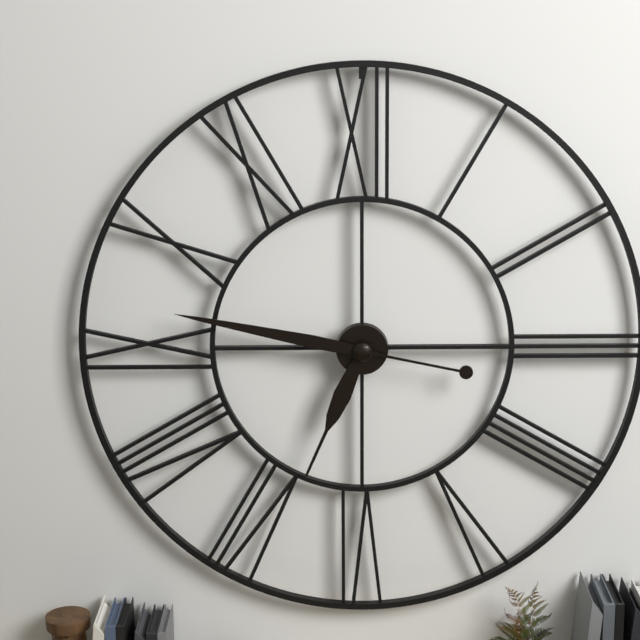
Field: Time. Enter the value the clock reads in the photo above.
6:47
